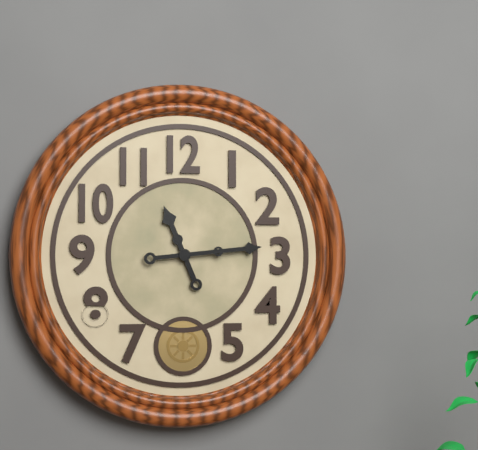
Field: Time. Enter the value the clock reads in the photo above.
11:14
